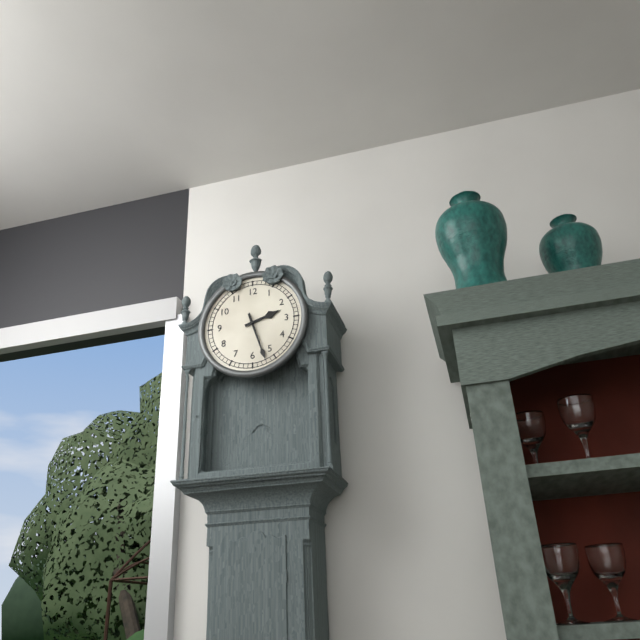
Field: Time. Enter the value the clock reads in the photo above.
2:27
